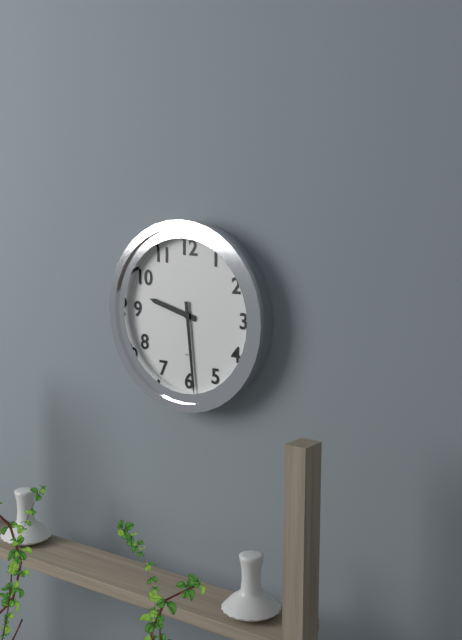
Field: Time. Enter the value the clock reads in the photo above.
9:29
